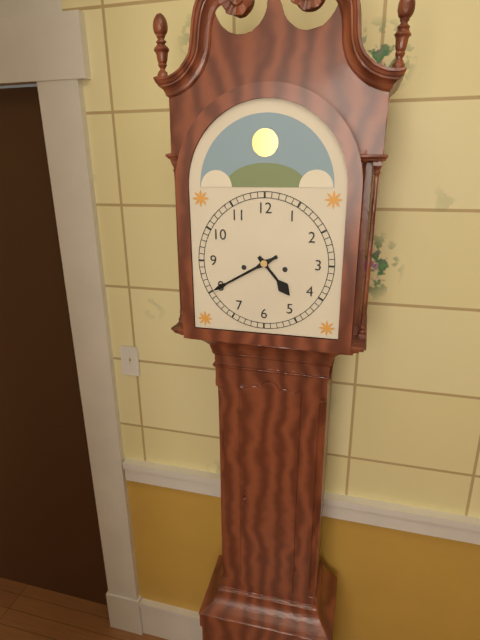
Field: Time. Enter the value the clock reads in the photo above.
4:40
